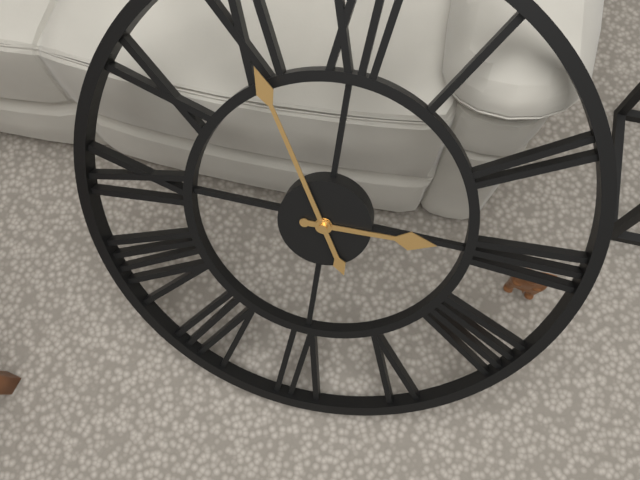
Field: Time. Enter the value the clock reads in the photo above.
2:55
